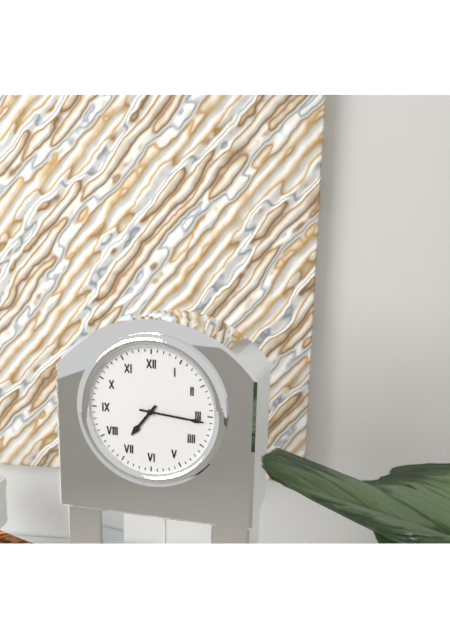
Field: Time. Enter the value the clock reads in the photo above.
7:16
